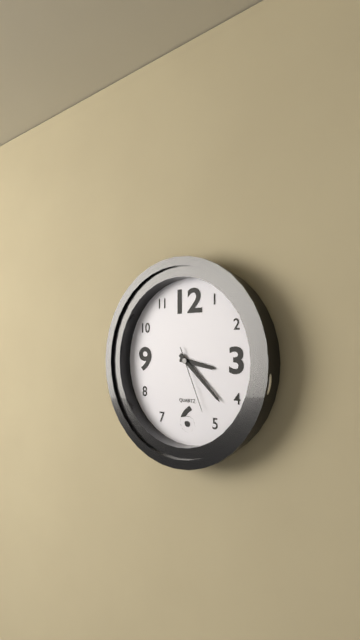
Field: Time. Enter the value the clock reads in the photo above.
3:22:26
